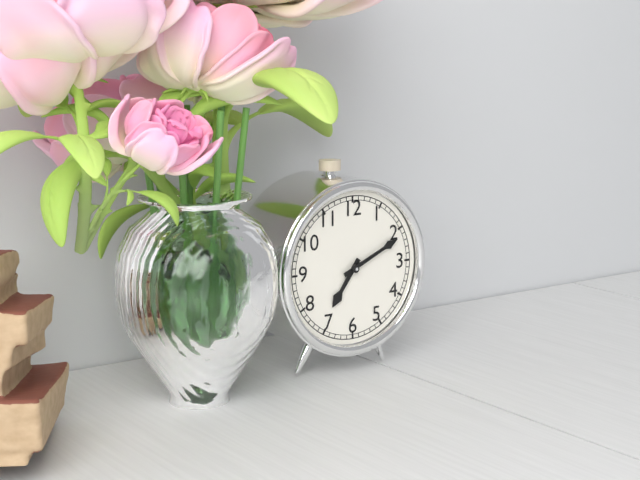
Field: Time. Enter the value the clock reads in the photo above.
7:11
